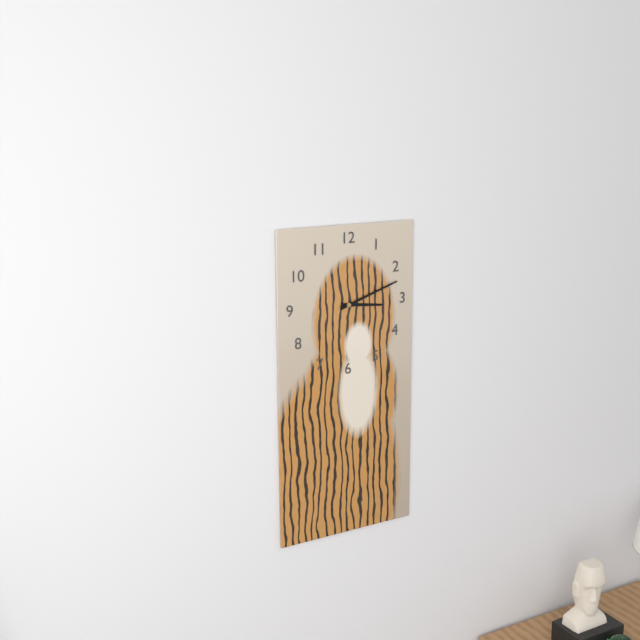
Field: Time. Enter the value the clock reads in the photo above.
3:12
